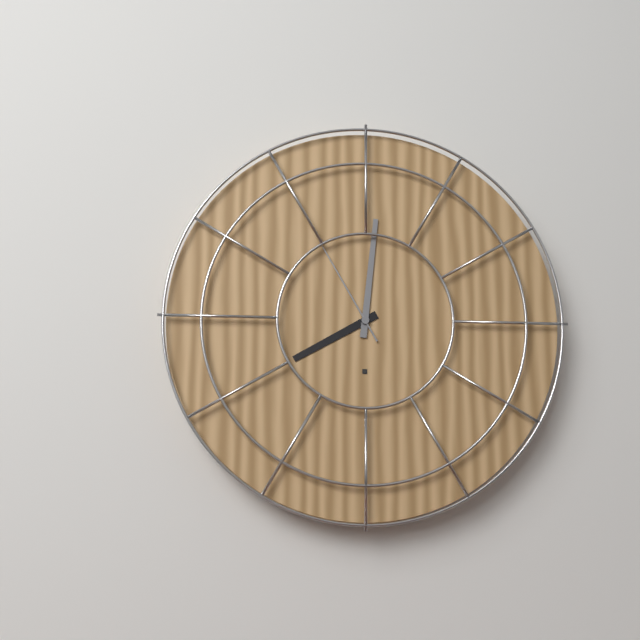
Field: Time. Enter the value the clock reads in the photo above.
8:01:55
